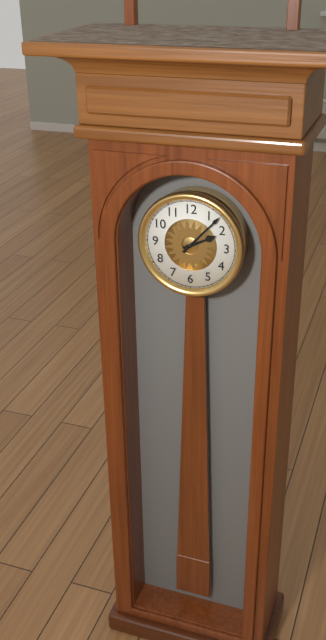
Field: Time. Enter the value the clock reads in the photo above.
2:07
